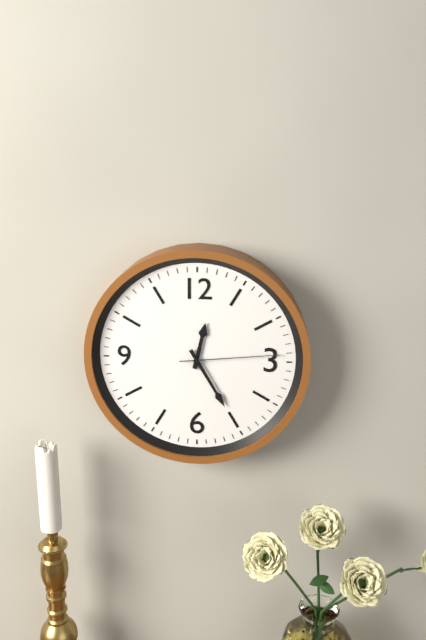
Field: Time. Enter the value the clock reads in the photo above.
12:25:14
